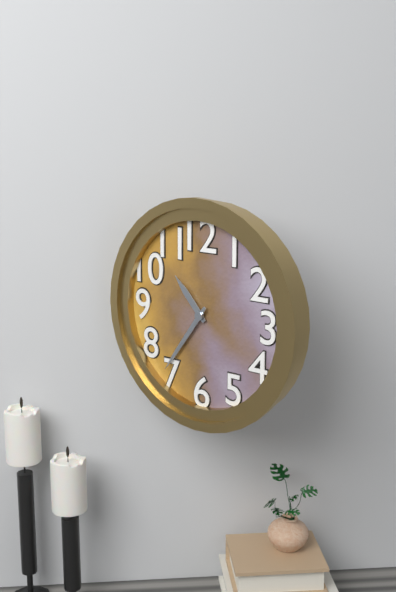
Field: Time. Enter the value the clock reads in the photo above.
10:36
